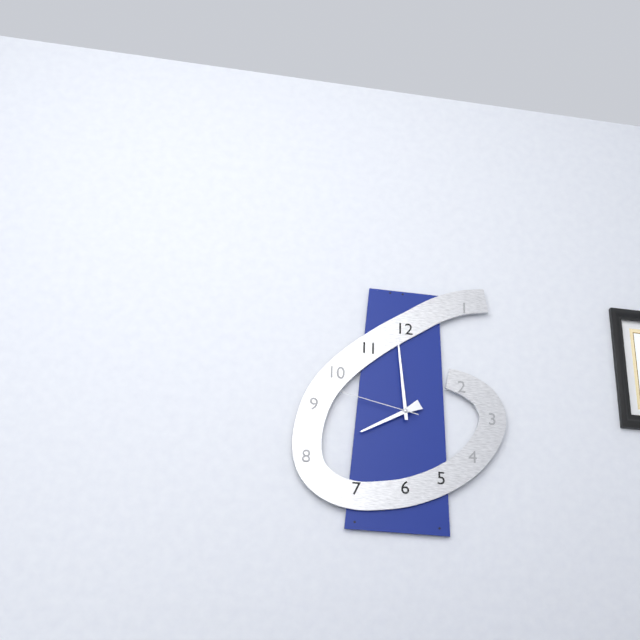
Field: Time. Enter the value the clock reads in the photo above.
7:59:47
